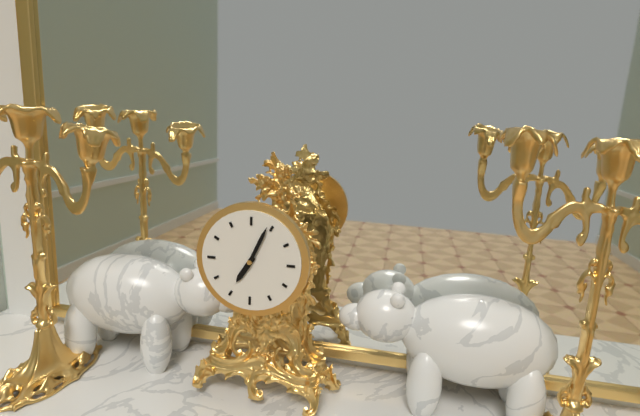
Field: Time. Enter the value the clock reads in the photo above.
7:04
